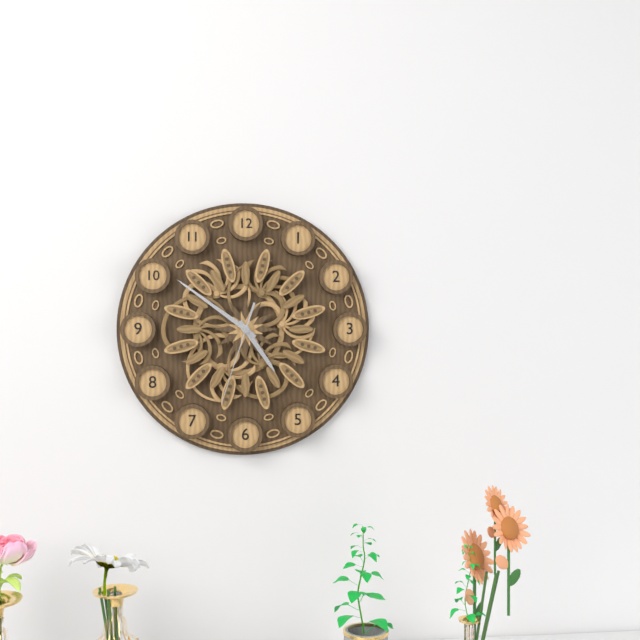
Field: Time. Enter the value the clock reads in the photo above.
4:51:33
